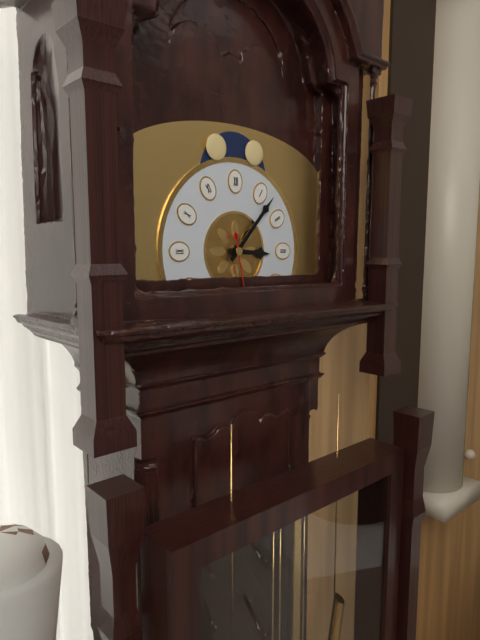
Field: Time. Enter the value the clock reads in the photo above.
3:07
